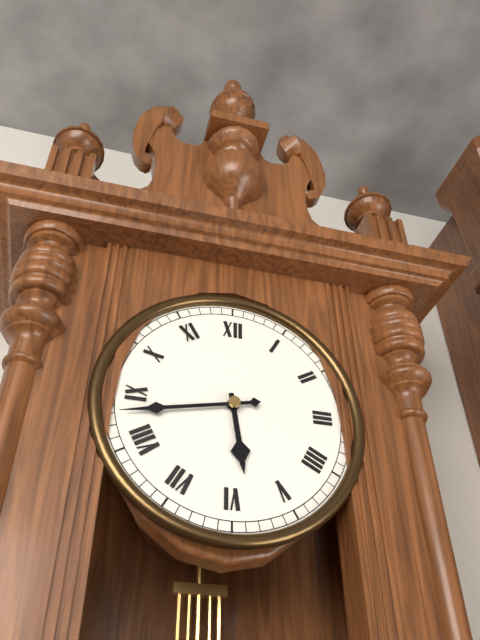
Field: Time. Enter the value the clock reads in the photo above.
5:43
